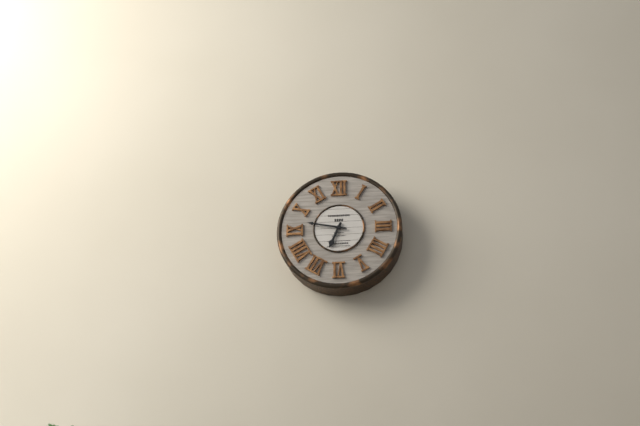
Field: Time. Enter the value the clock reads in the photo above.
6:47
